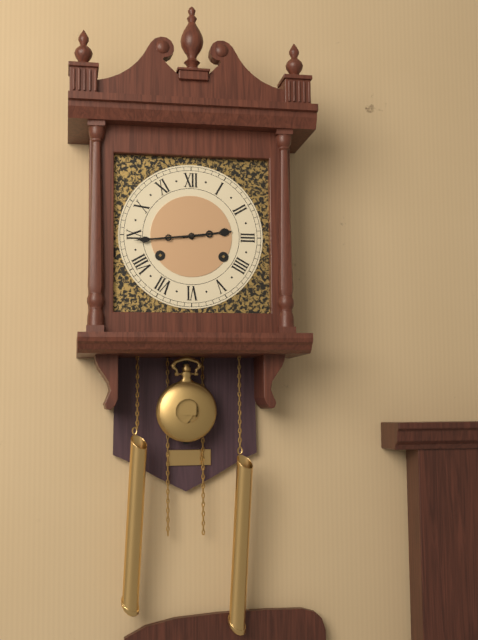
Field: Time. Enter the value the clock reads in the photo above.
2:44
